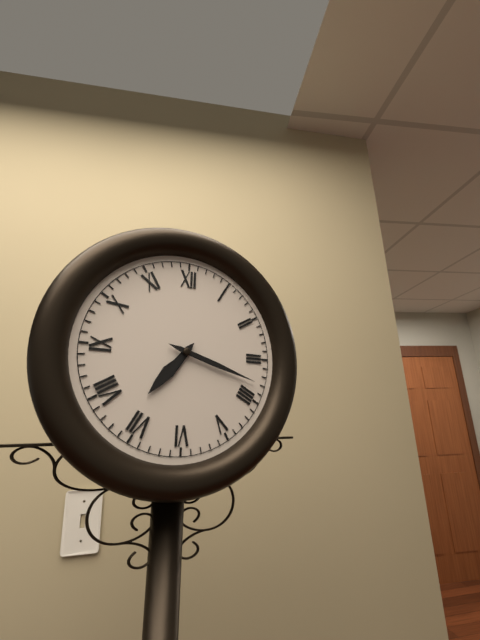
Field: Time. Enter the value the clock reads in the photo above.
7:18
